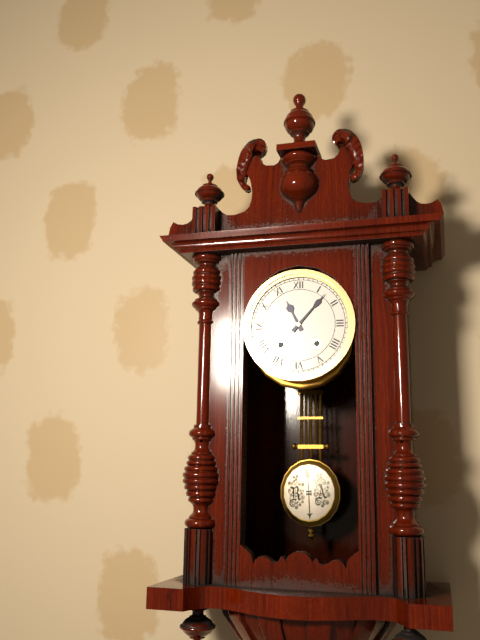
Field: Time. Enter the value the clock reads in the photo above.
11:07
